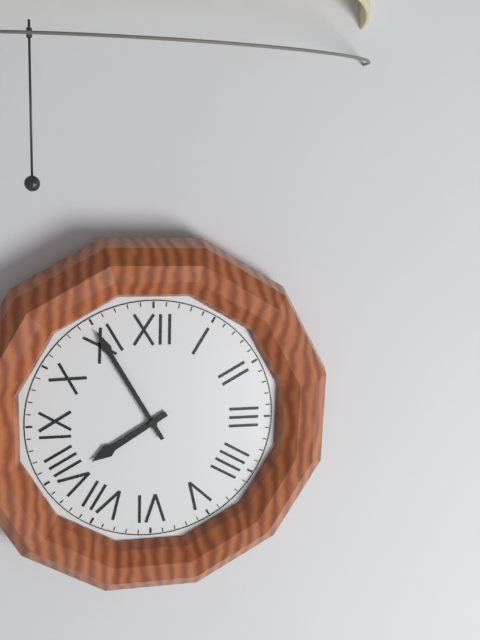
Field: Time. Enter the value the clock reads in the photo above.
7:55
